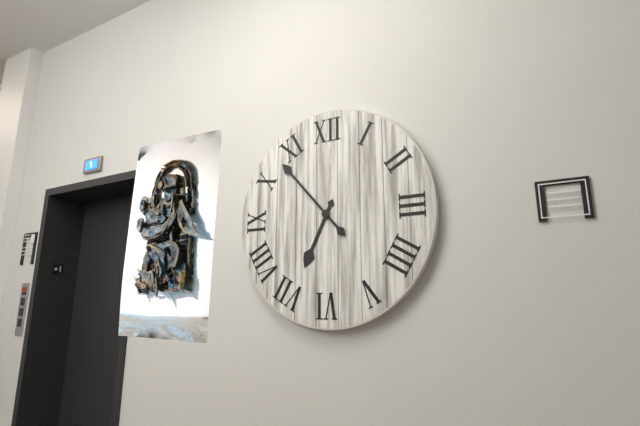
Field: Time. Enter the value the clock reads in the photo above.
6:53
